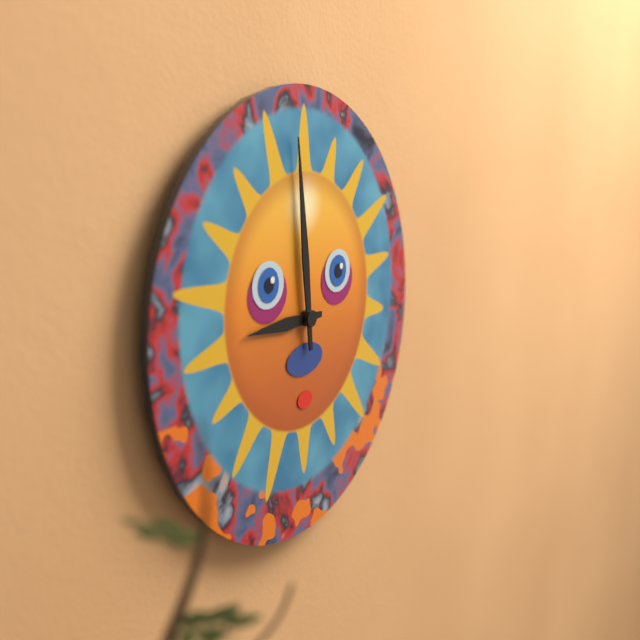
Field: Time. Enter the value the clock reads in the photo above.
8:59
